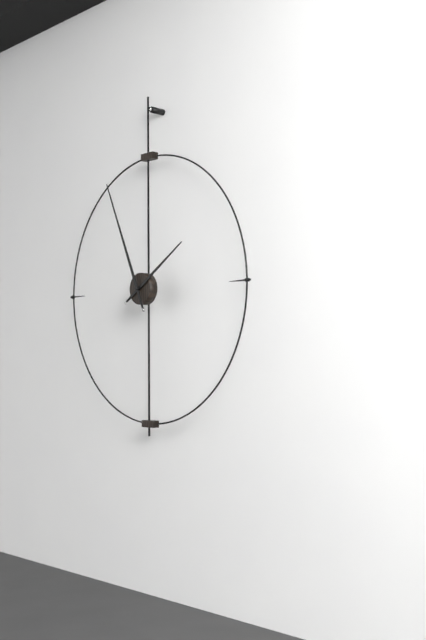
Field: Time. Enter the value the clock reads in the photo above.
1:56
